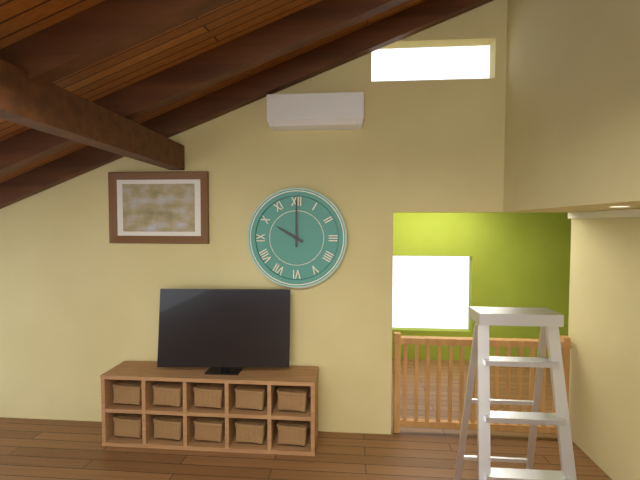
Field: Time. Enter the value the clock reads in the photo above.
10:00
